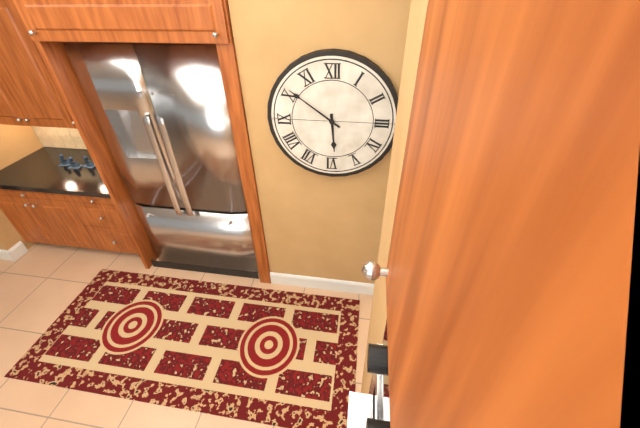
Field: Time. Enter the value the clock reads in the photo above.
5:51
